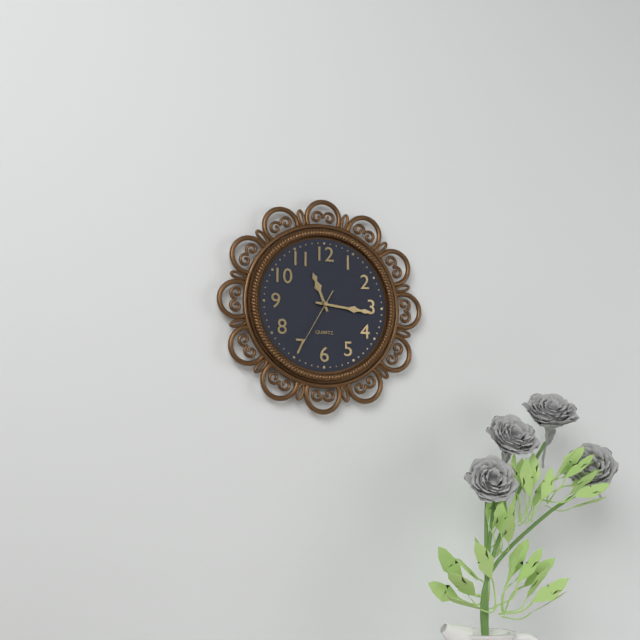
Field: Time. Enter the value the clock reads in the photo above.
11:16:35
